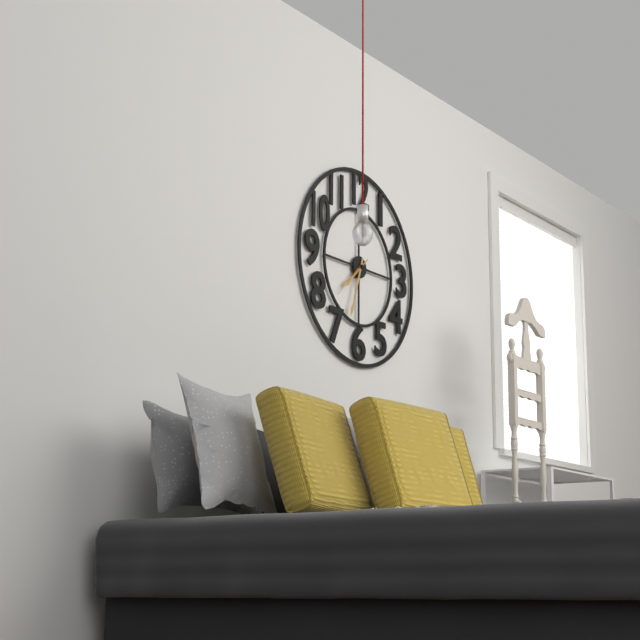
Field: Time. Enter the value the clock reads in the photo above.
7:33
